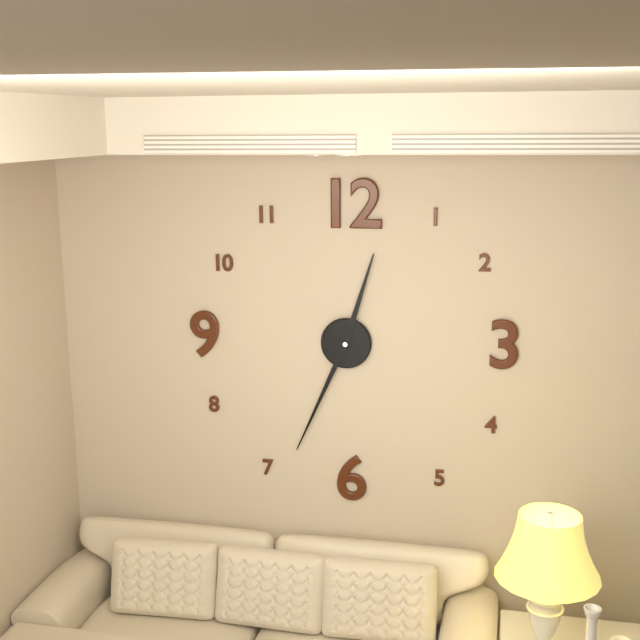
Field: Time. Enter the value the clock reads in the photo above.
12:34
